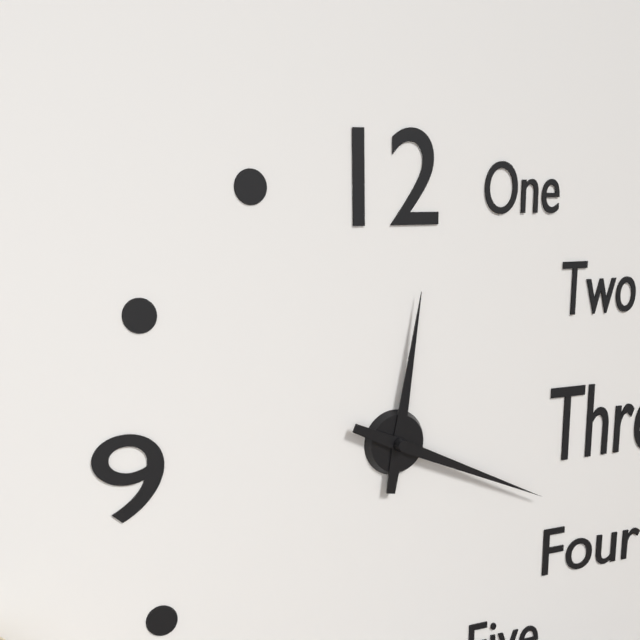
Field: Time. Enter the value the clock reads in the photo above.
12:19
